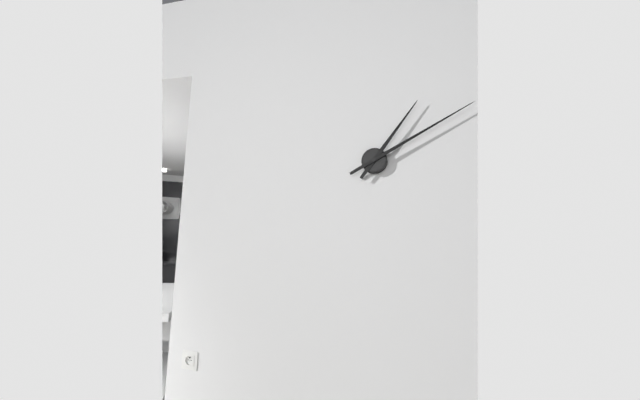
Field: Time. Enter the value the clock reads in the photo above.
1:10
